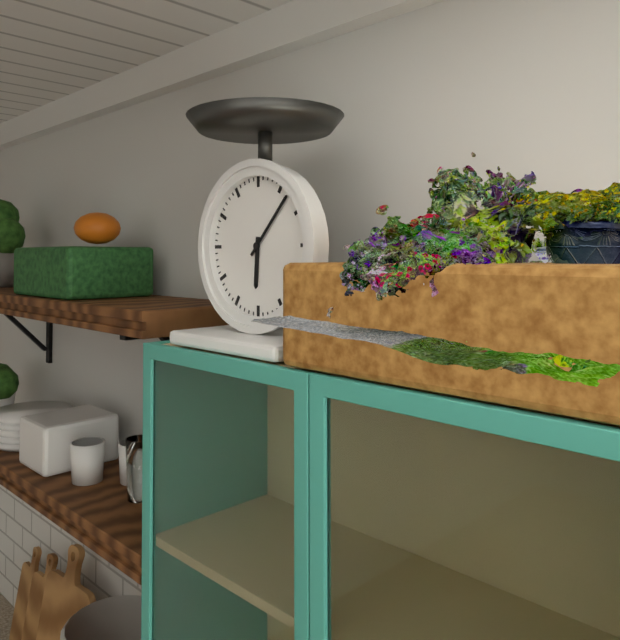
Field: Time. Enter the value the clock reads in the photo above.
6:07
